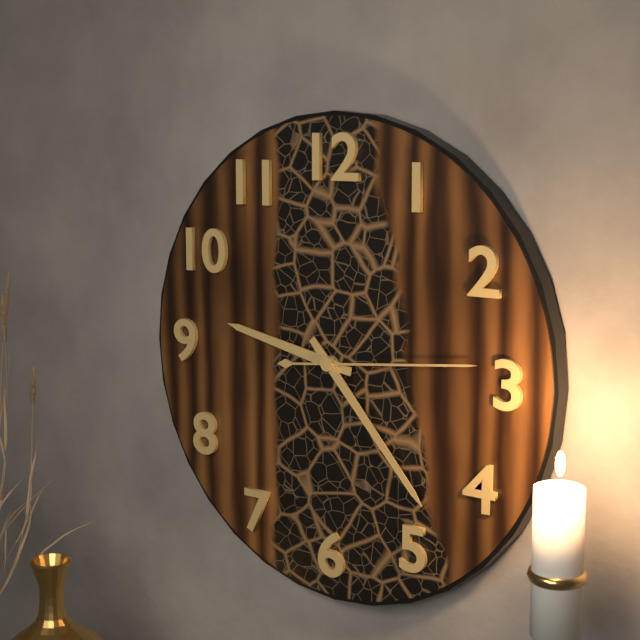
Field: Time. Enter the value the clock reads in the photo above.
9:23:14
